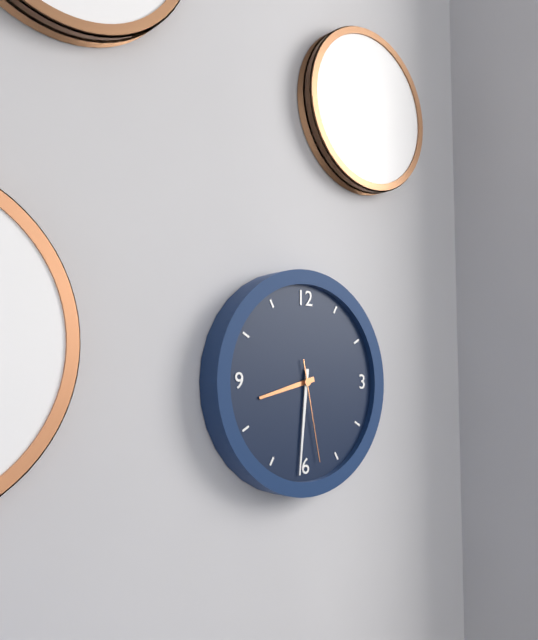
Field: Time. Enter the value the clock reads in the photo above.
8:31:28
